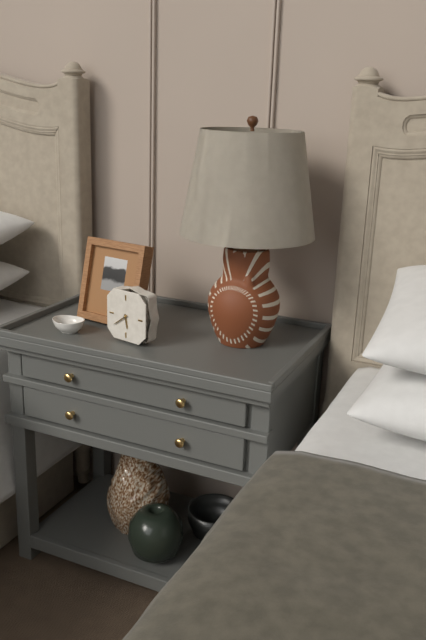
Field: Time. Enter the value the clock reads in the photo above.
5:39
